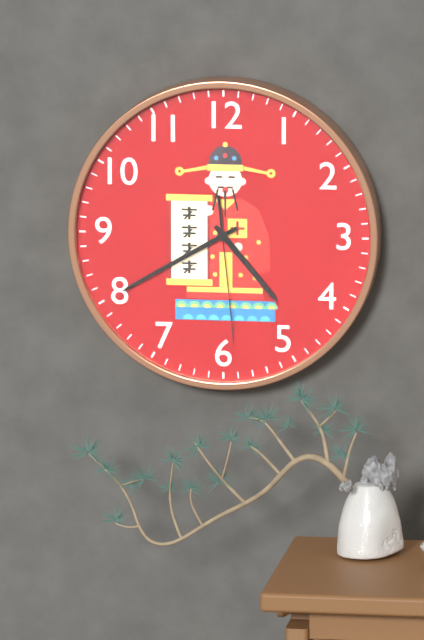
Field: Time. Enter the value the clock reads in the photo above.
4:40:29
